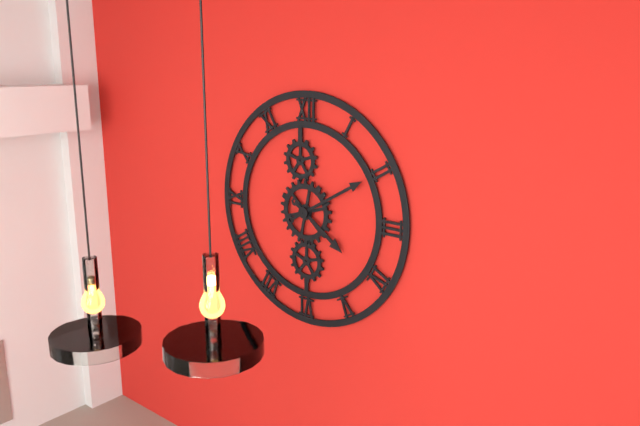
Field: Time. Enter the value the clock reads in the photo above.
4:10
